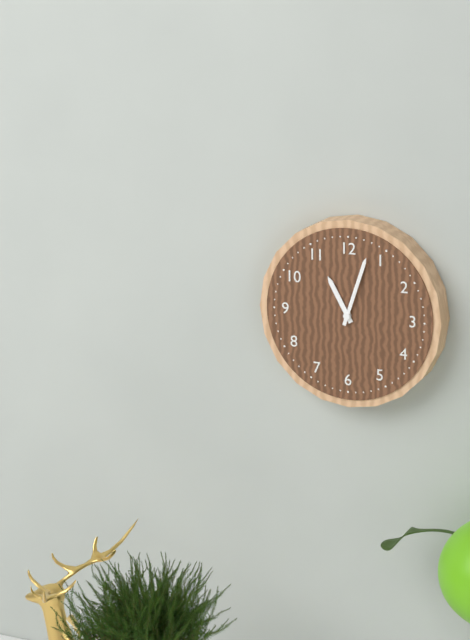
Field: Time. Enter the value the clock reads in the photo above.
11:03
